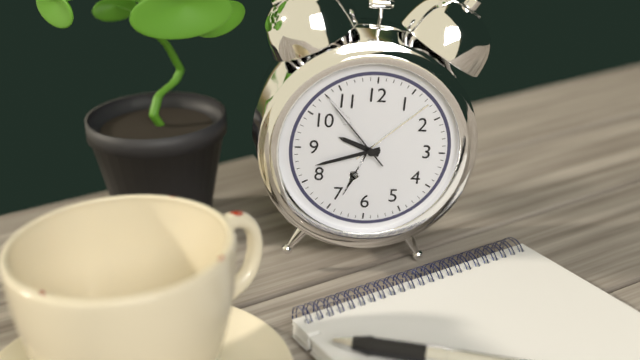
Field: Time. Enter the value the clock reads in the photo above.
9:42:53
